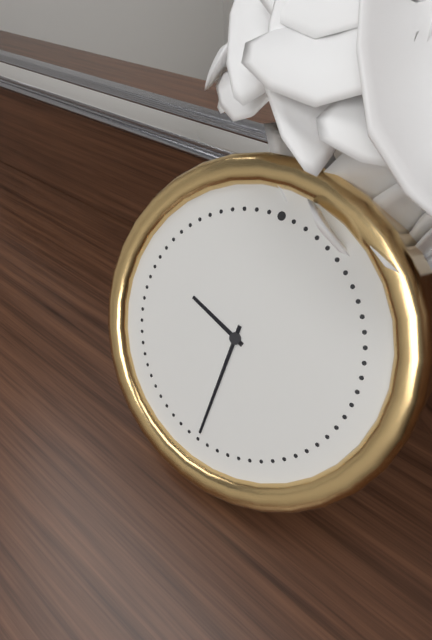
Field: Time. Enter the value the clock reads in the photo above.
9:30
